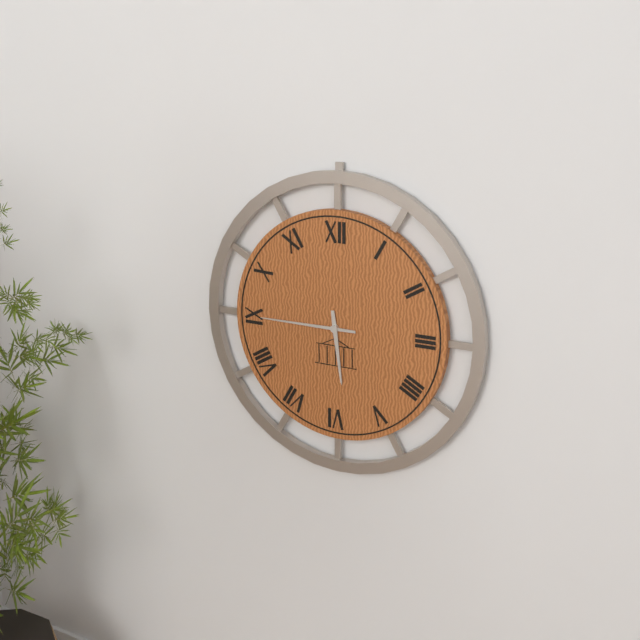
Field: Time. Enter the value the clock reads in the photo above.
5:45
